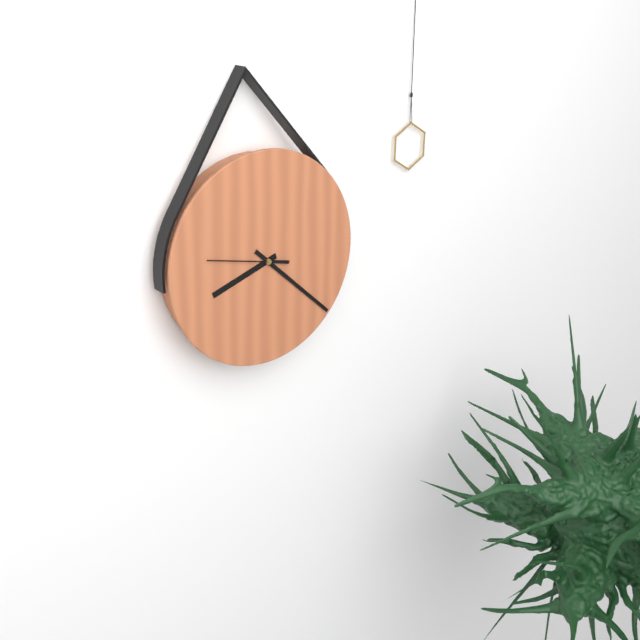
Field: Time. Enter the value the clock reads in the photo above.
8:22:47
